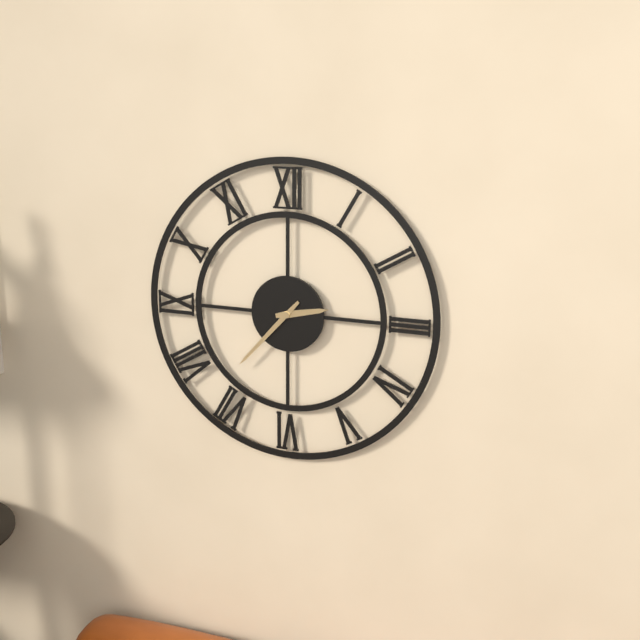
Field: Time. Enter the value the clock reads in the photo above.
2:37
